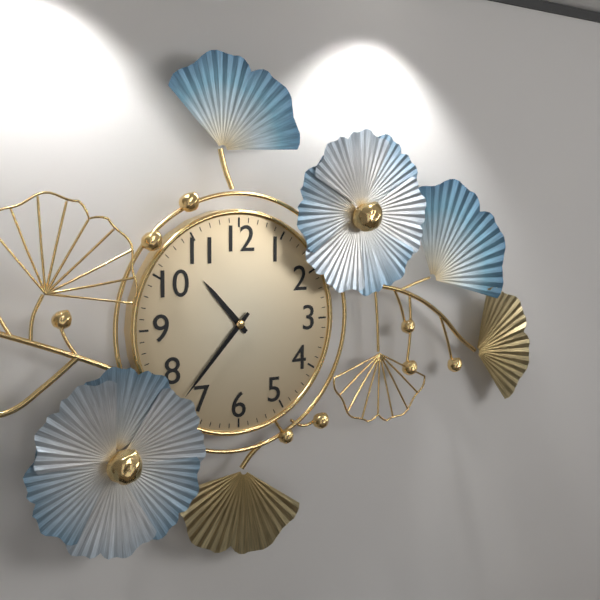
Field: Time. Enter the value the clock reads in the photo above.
10:37
